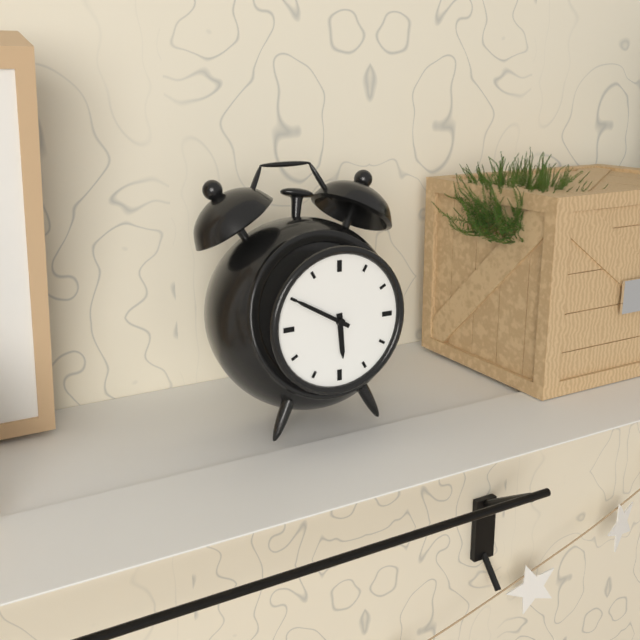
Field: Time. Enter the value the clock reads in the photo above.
5:50
